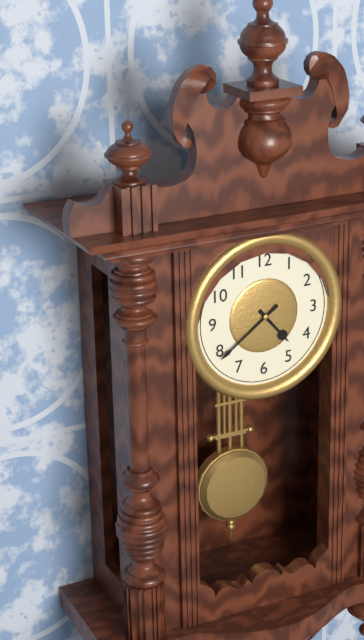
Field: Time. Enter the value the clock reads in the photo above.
4:39
